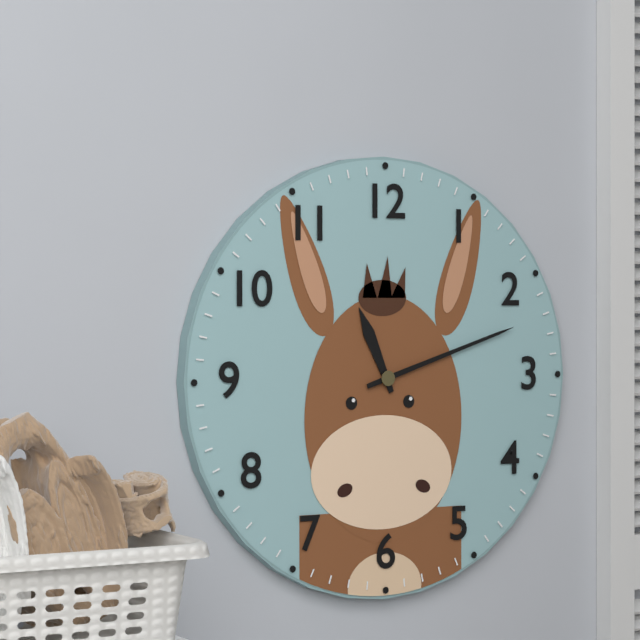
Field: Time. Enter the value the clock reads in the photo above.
11:12
